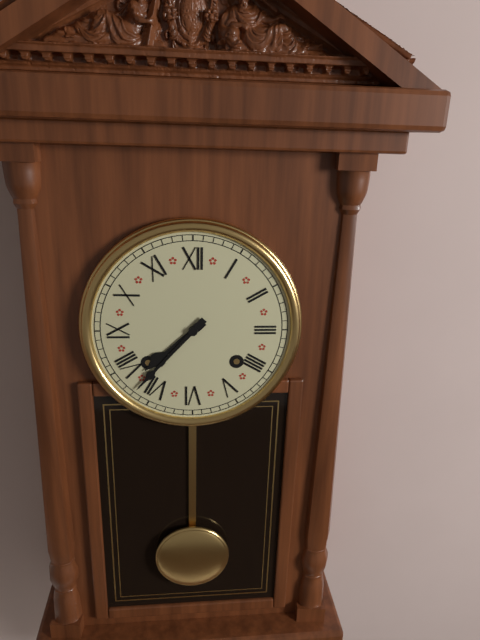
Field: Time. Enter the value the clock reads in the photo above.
7:37
